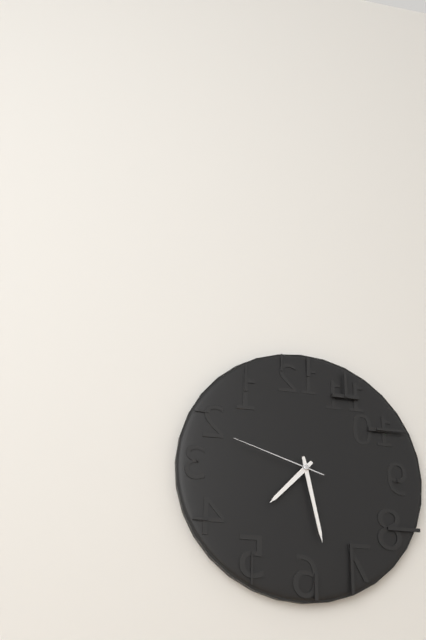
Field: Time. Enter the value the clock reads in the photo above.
7:28:48
